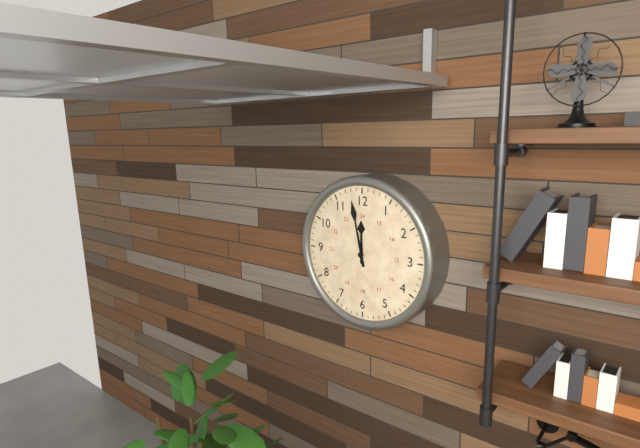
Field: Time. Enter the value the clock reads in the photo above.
11:58
